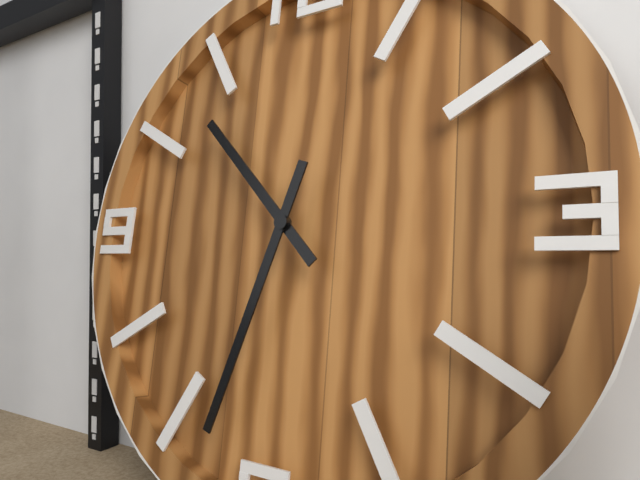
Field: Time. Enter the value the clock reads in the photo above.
10:33
